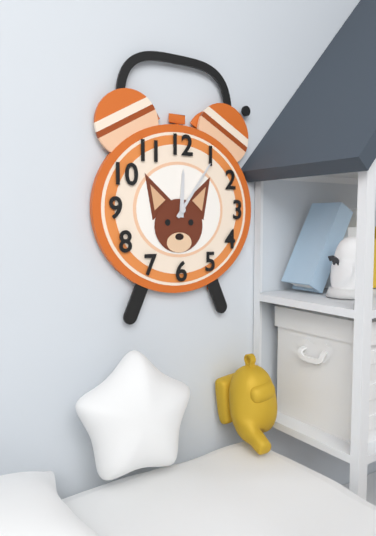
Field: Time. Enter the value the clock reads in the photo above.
12:06
